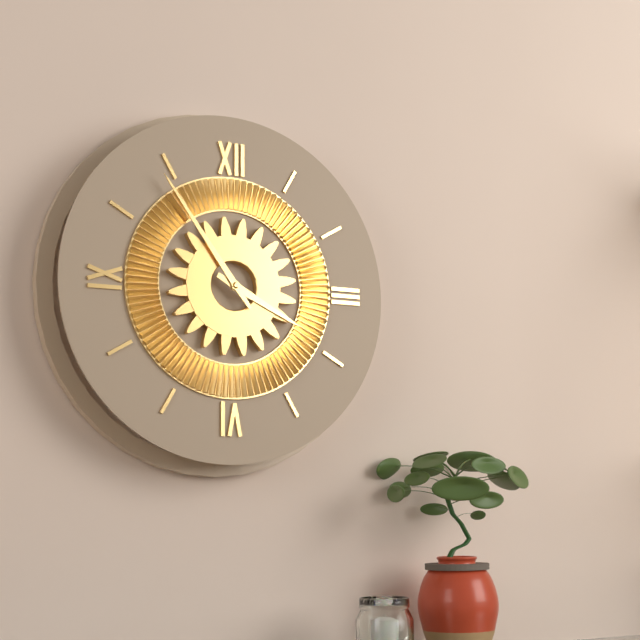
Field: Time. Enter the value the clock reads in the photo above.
3:54
